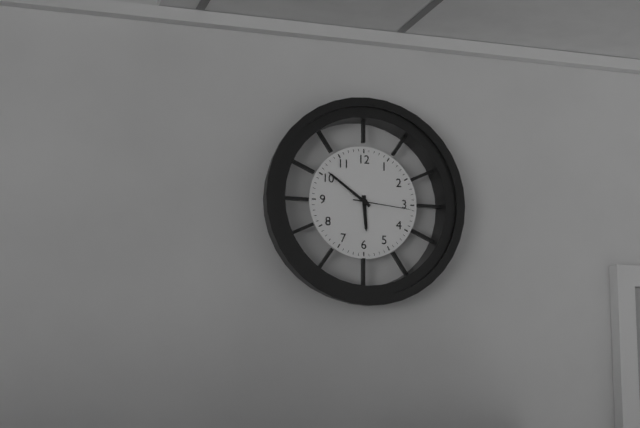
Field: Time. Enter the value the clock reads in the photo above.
5:51:16
